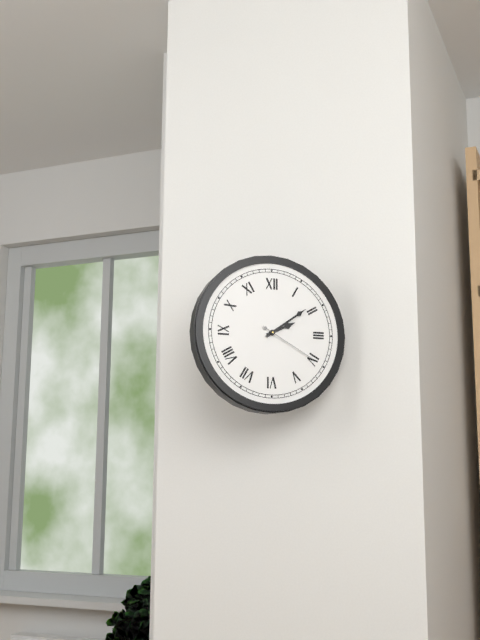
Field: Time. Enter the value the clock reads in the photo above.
2:09:20
